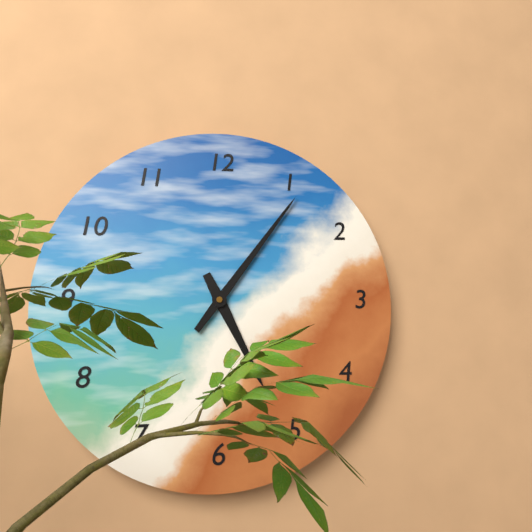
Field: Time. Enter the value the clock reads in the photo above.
5:06
